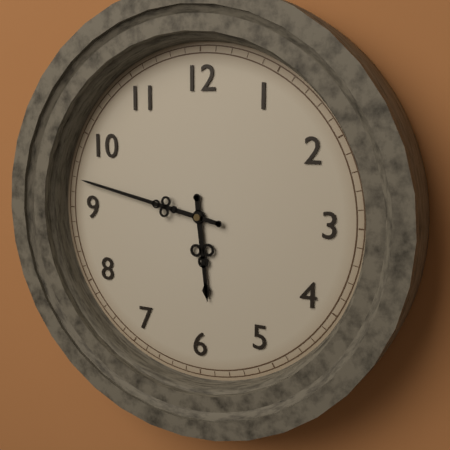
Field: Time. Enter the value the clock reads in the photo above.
5:47
